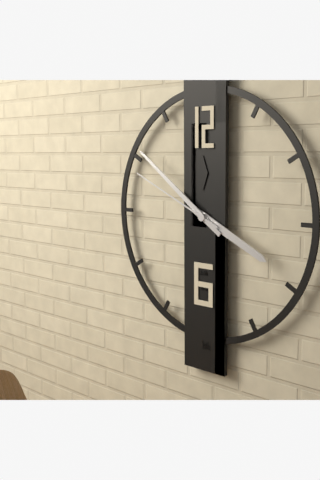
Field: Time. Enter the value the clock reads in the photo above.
3:51:49
